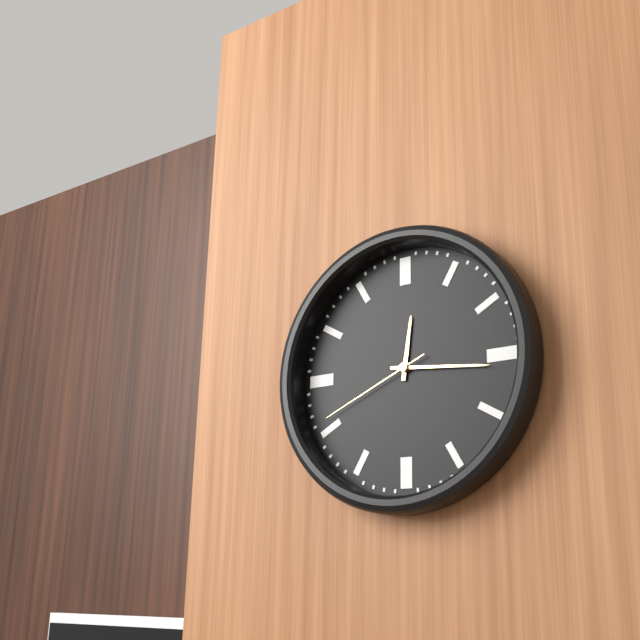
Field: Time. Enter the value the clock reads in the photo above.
12:16:41
